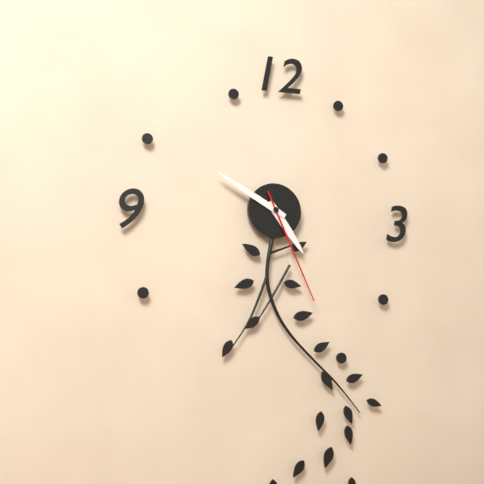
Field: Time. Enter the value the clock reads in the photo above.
4:50:26
